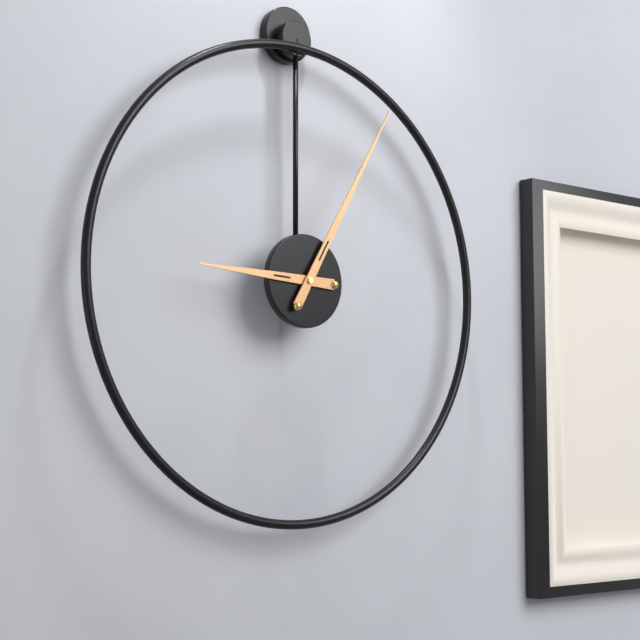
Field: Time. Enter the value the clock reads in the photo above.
9:05
